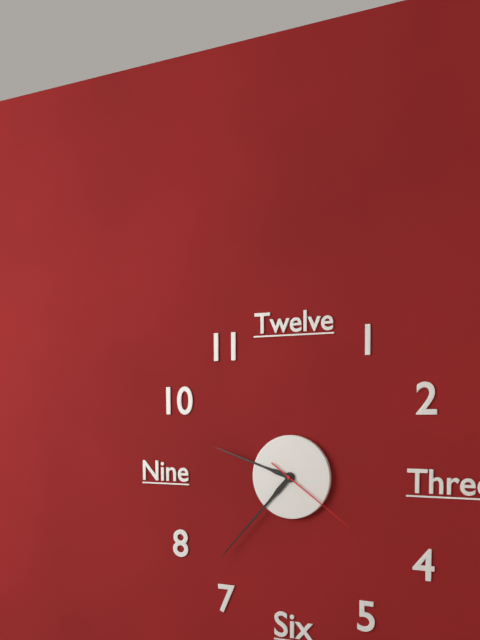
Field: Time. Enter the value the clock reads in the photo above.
9:37:21
